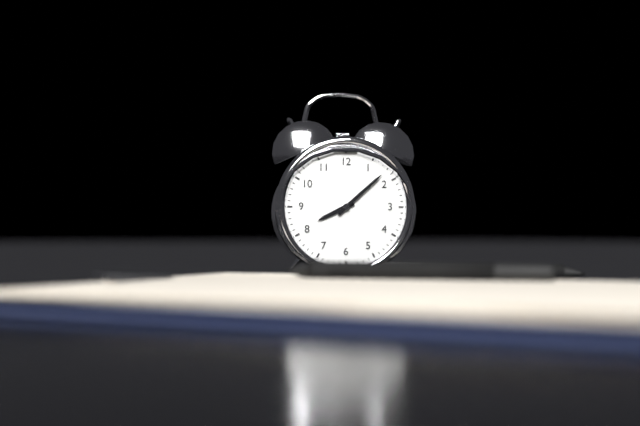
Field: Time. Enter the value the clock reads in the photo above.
8:08
